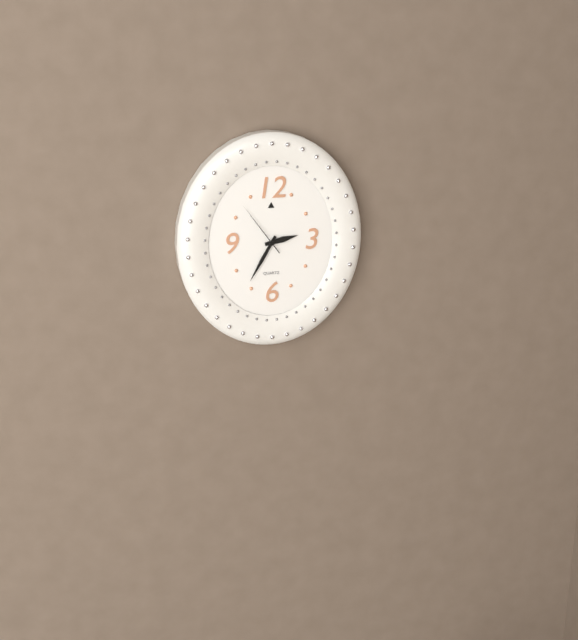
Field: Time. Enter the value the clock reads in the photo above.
2:35:54
